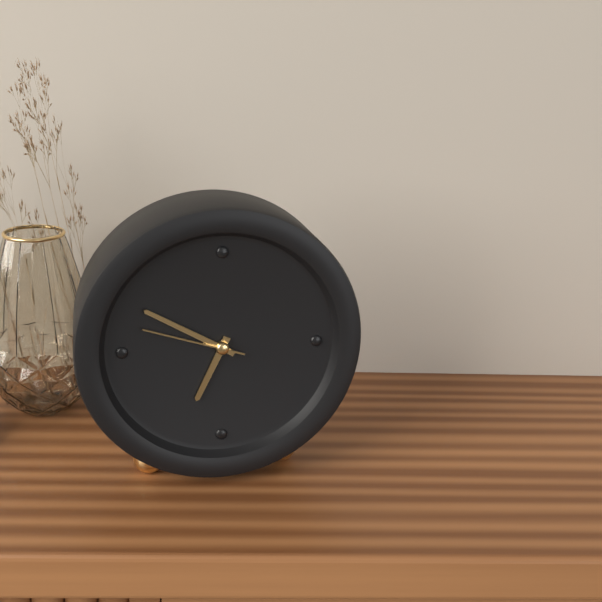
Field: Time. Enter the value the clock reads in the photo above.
6:50:48
